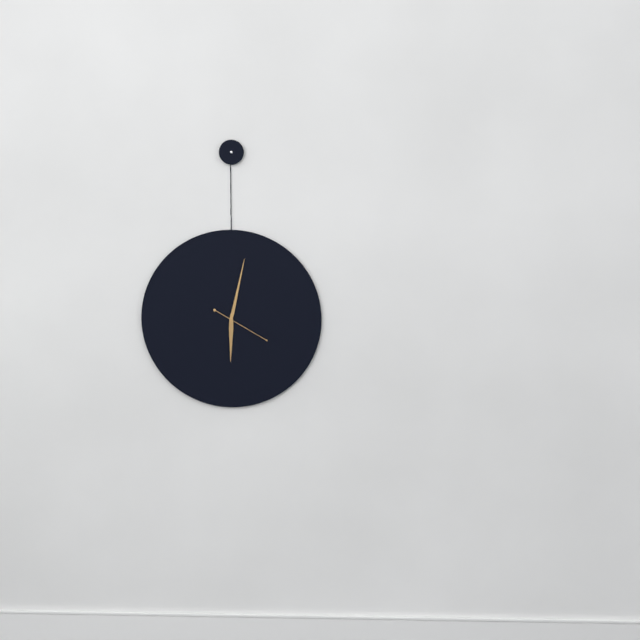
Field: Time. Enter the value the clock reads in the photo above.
6:02:20
